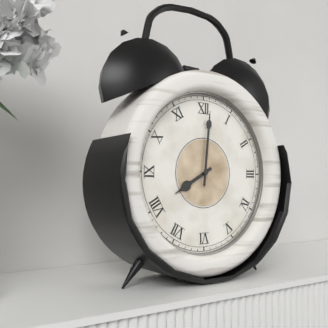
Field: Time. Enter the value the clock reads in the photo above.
8:01
